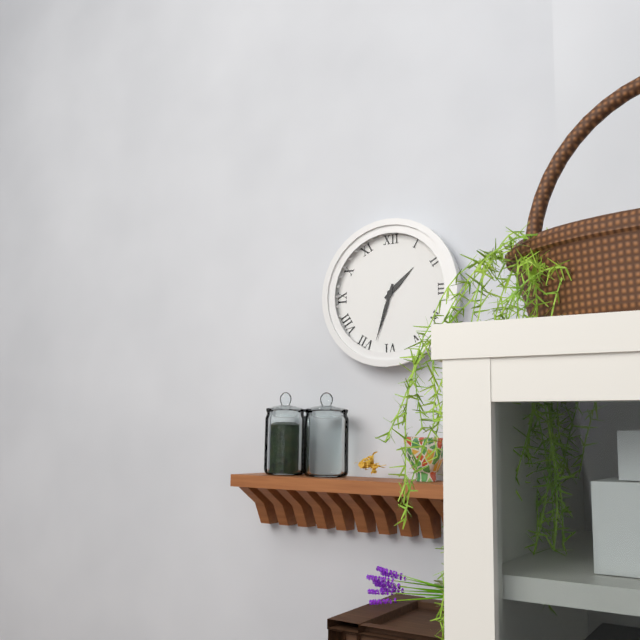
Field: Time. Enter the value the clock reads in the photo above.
1:33
